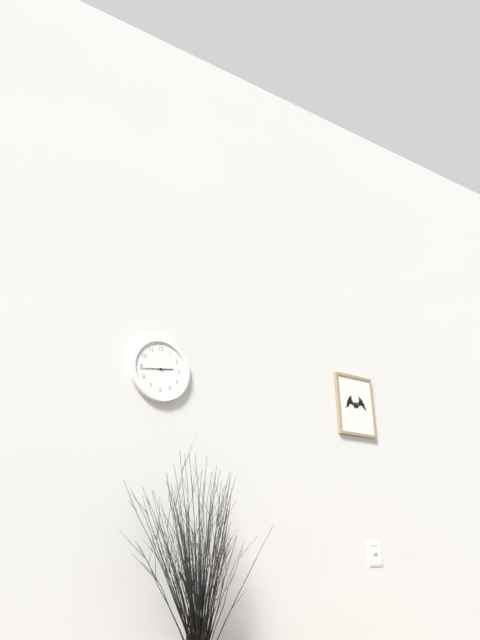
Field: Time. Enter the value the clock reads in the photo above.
2:44
